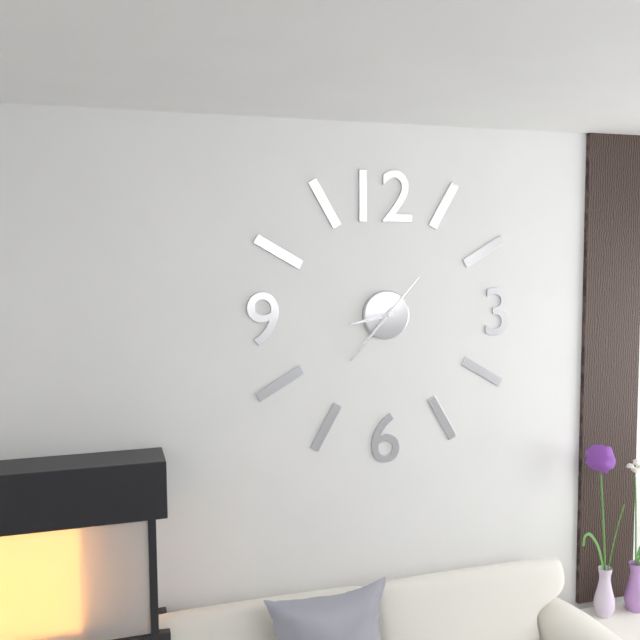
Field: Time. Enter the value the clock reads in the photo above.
8:37:07
